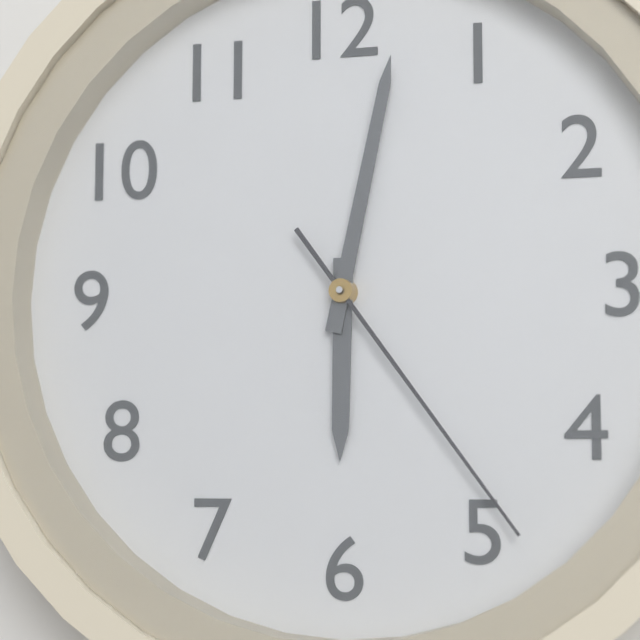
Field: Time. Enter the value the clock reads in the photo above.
6:02:24
